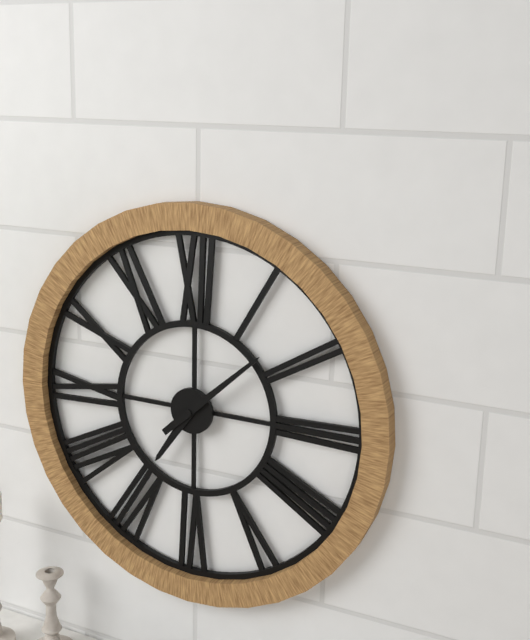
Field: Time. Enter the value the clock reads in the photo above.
7:08
